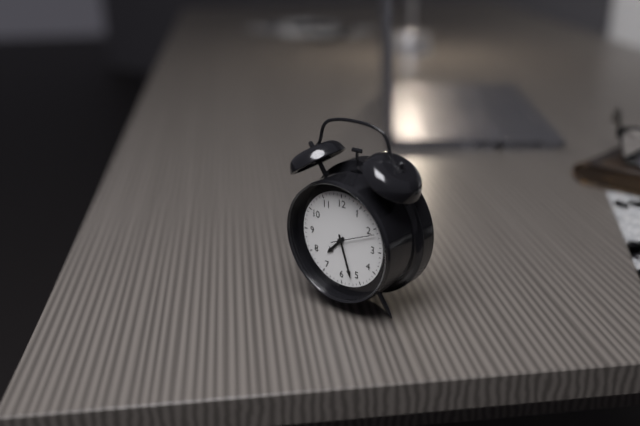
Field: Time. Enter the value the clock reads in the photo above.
7:27
